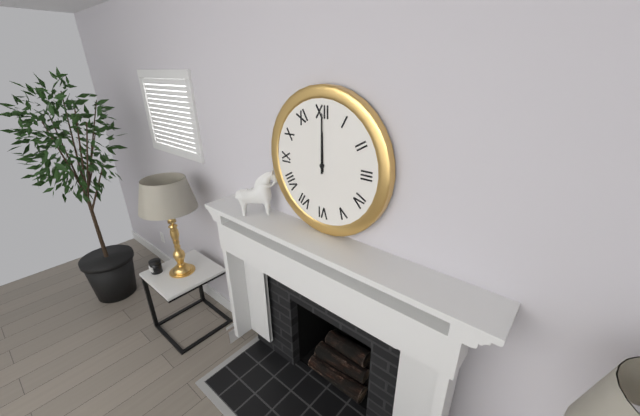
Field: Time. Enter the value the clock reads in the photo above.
12:00
